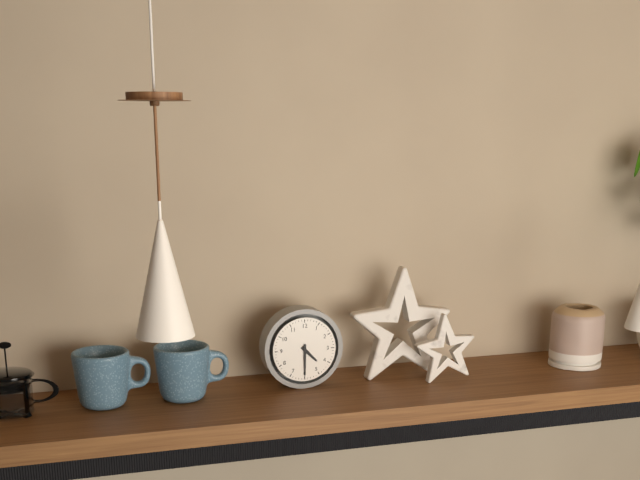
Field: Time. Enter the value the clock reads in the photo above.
4:30
